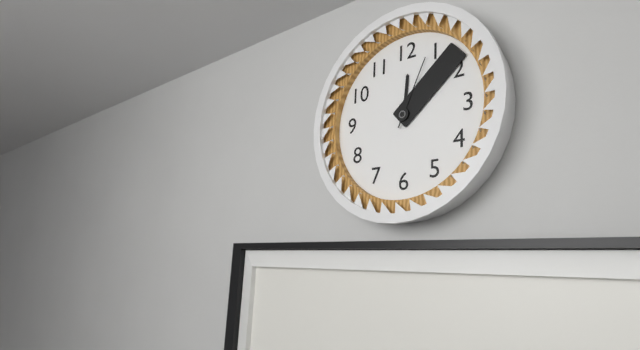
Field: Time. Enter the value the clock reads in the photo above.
12:08:04
